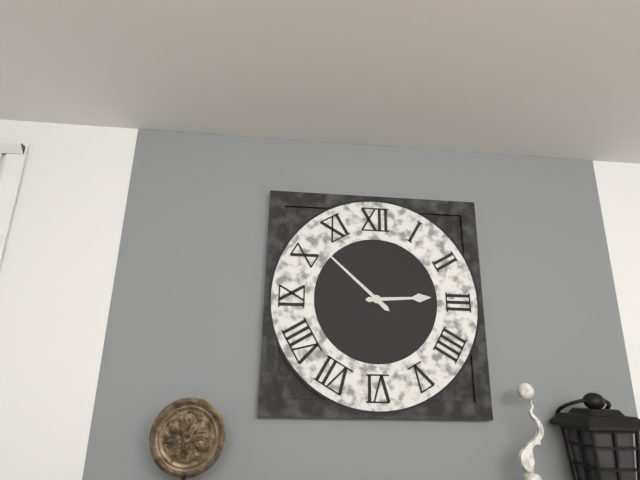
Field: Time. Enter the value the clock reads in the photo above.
2:52
